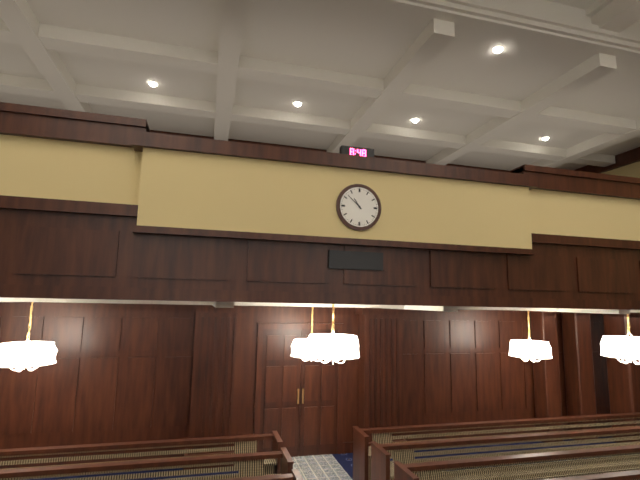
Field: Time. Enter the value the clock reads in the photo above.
10:52
